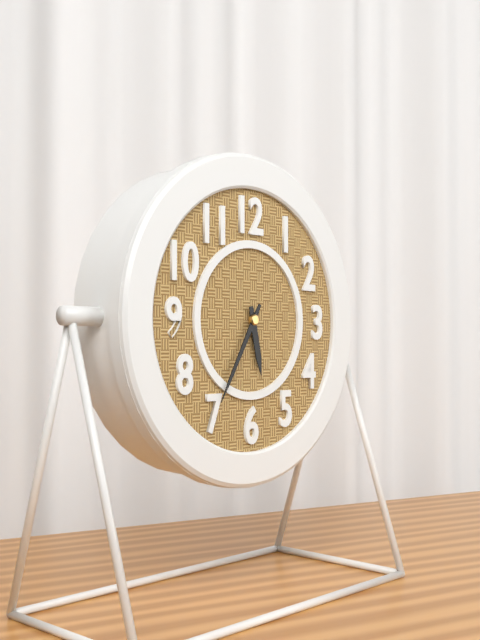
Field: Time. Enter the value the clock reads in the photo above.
5:35
